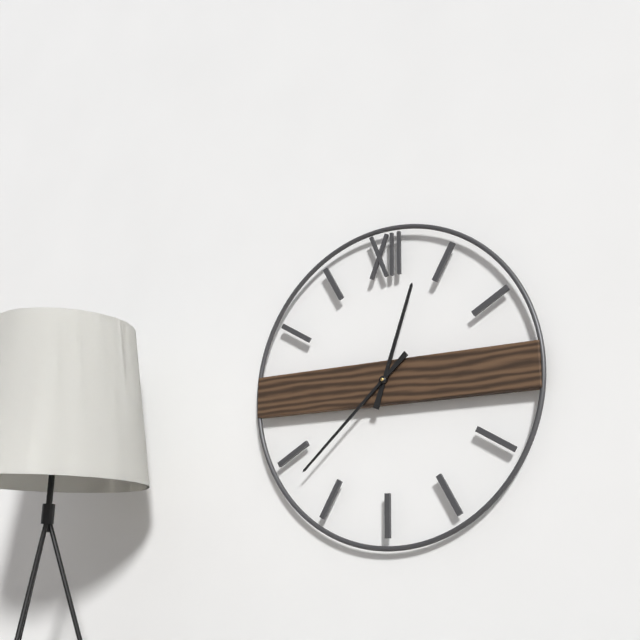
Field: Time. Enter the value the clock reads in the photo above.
12:38
